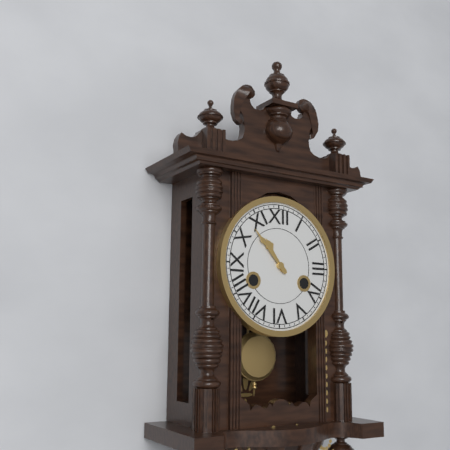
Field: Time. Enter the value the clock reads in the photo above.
10:53
